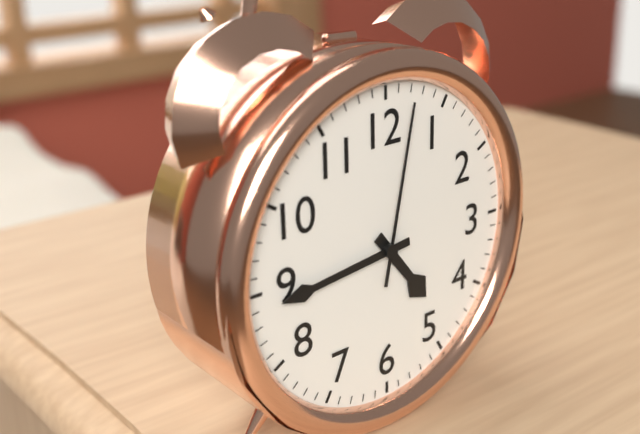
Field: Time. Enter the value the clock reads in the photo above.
4:44:02
